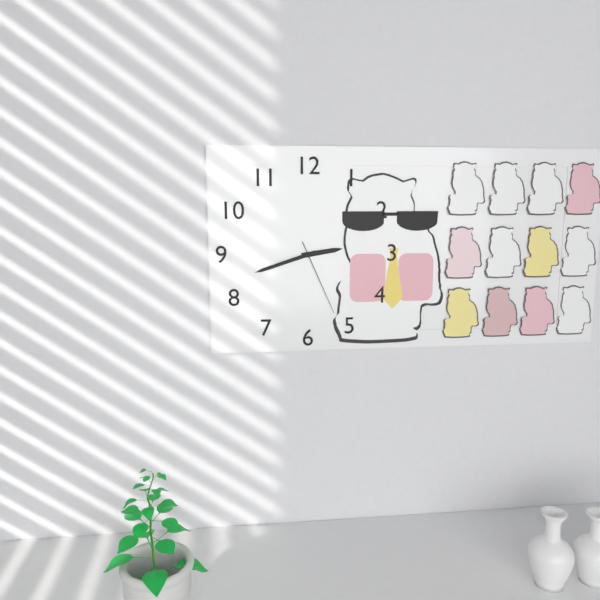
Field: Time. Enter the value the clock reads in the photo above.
2:42:26
